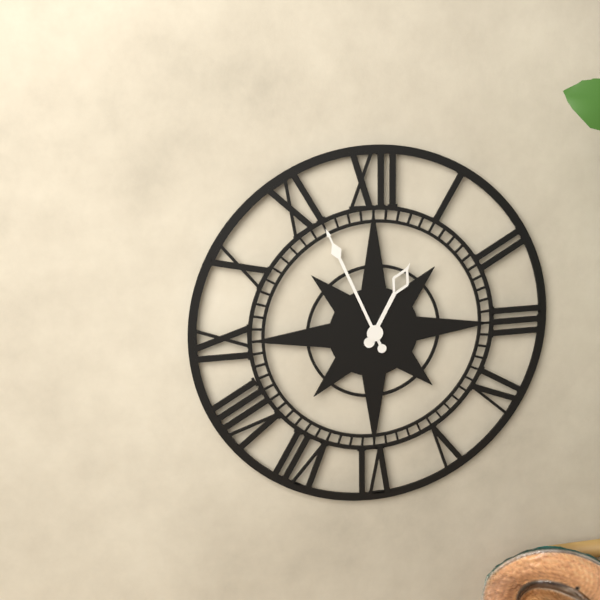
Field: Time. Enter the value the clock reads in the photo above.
12:56
